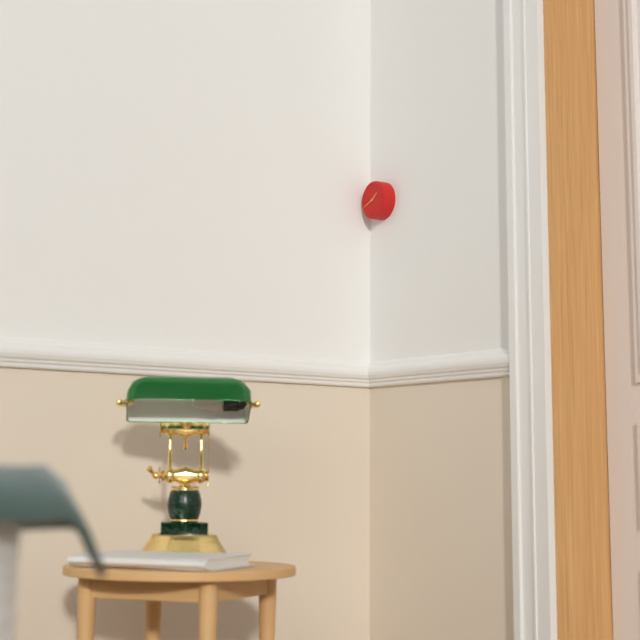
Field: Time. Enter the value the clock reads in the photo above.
1:41
